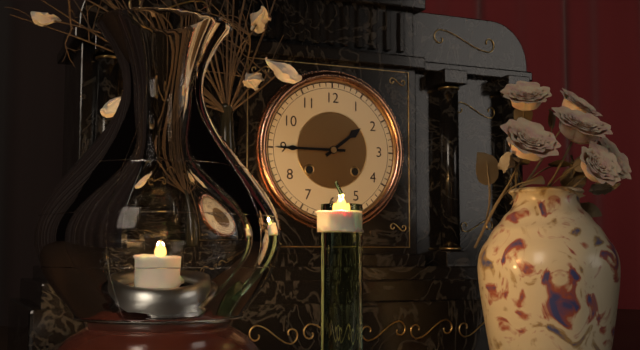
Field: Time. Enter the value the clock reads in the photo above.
1:45
